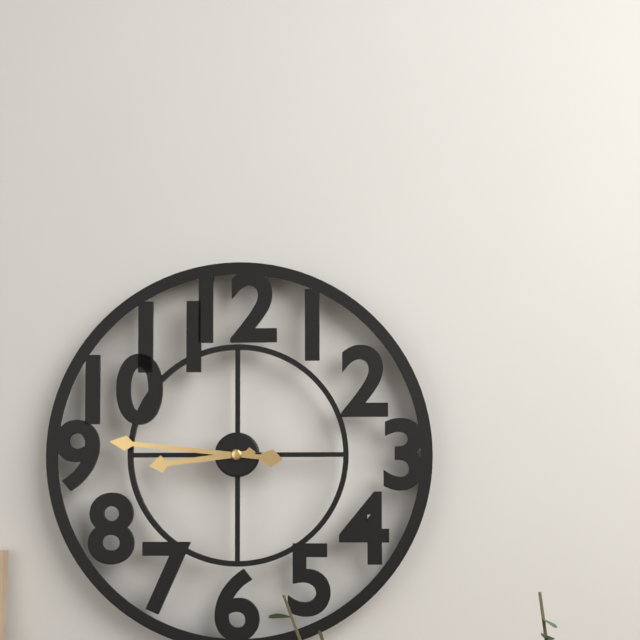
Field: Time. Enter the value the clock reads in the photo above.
8:46
